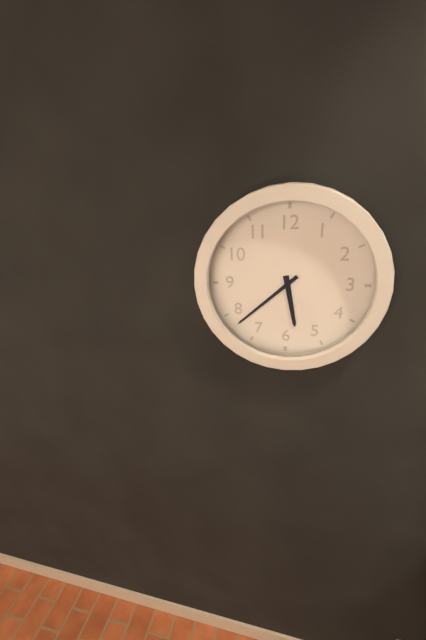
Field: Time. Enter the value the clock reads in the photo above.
5:38
